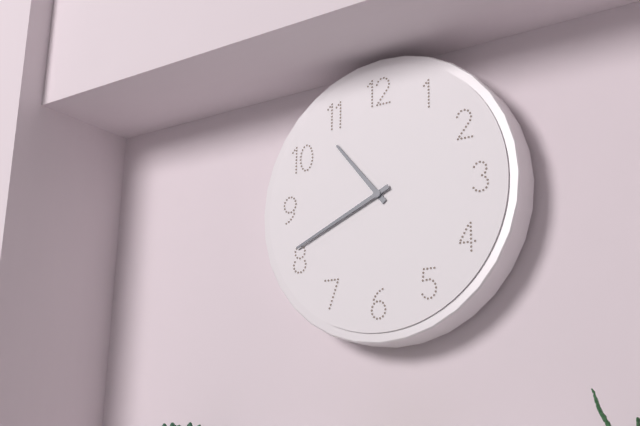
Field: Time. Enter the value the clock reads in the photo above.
10:41
